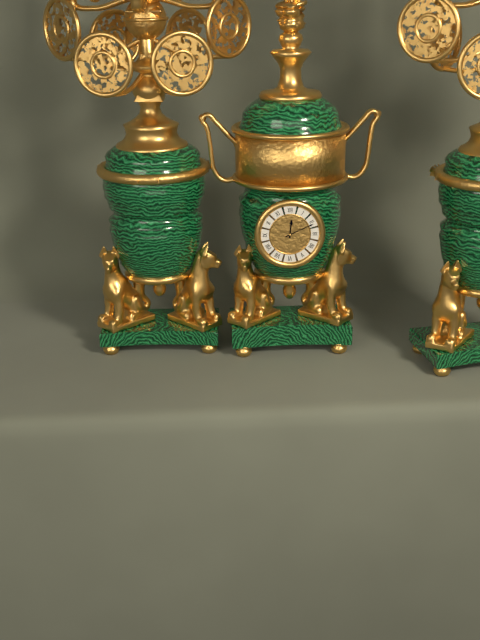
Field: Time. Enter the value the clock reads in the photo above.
12:11
